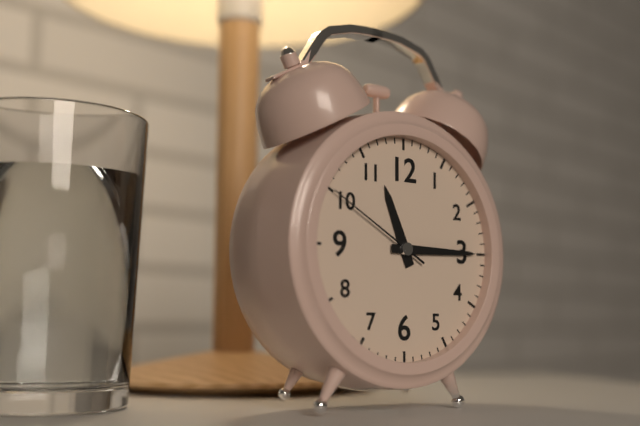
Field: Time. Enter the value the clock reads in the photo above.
11:15:50
